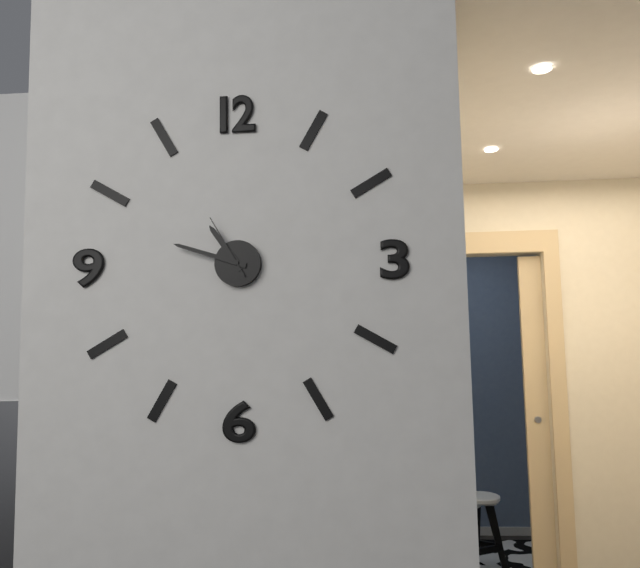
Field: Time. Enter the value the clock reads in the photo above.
10:48:55
